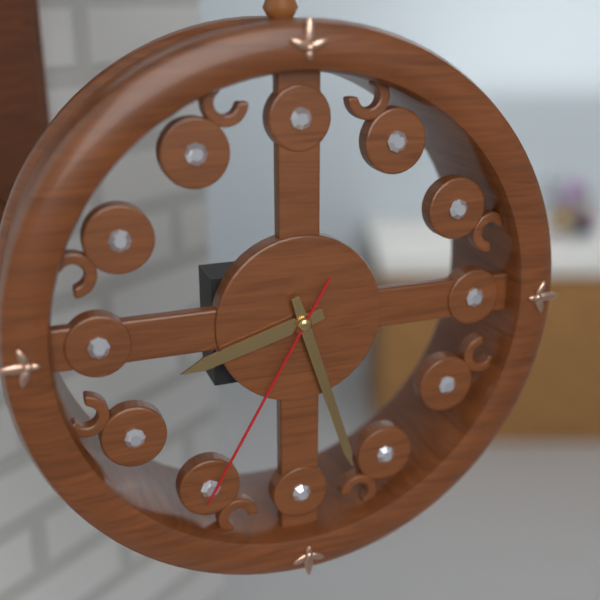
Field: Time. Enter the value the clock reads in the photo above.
8:27:35
